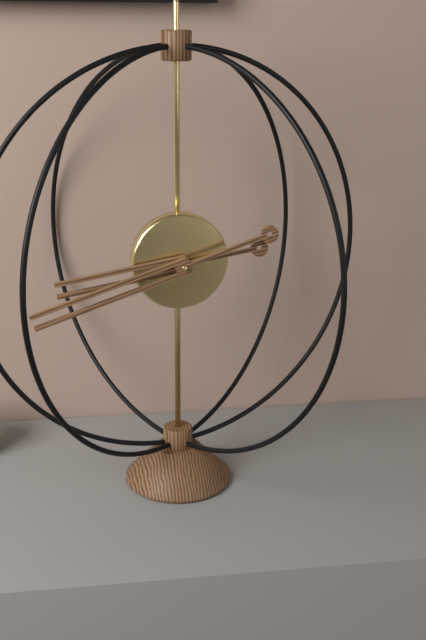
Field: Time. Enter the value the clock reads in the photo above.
8:42
